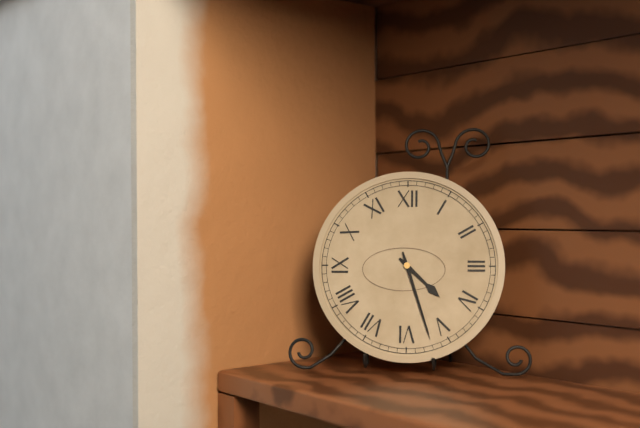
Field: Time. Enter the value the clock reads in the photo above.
4:27
